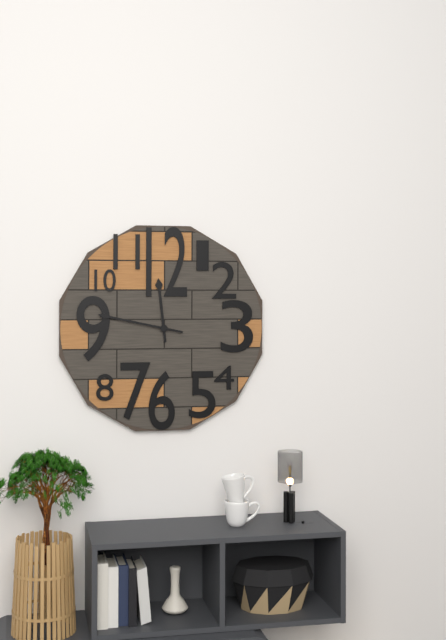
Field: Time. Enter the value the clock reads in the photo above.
11:47
